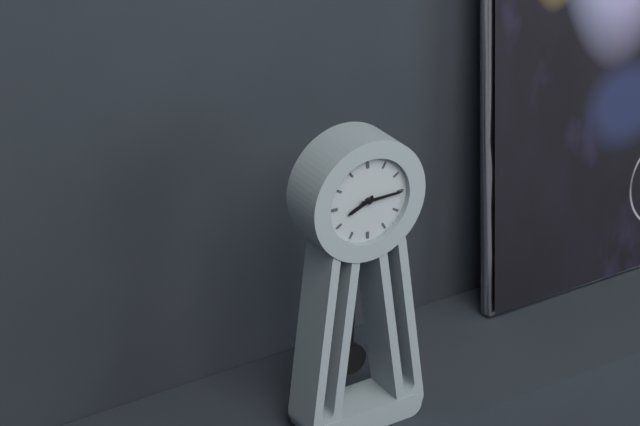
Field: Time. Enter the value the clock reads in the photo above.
8:15
